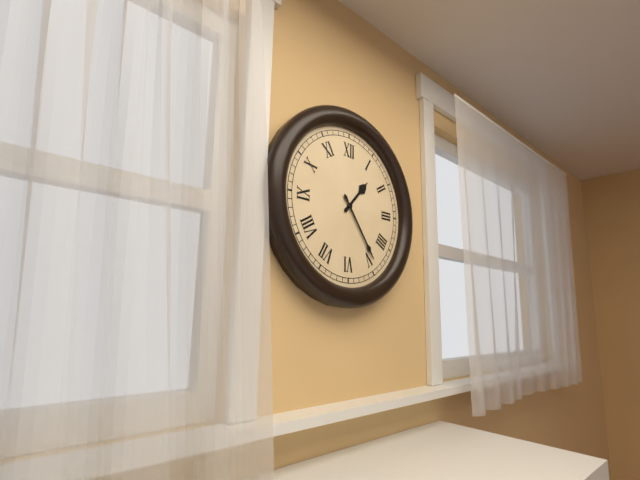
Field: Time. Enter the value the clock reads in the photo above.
1:24
